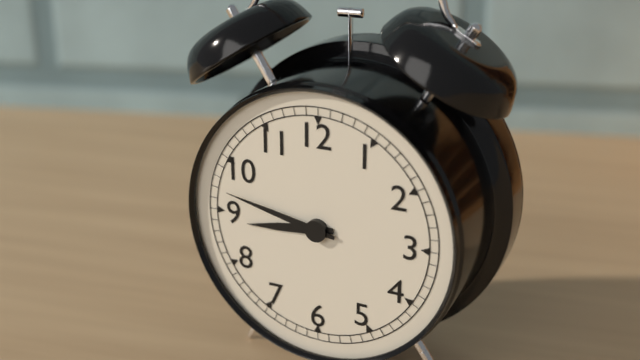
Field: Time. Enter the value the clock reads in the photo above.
8:47
